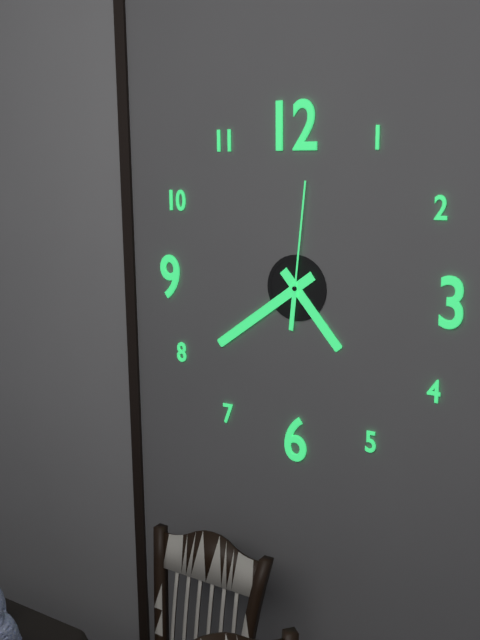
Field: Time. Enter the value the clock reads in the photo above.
4:39:01
